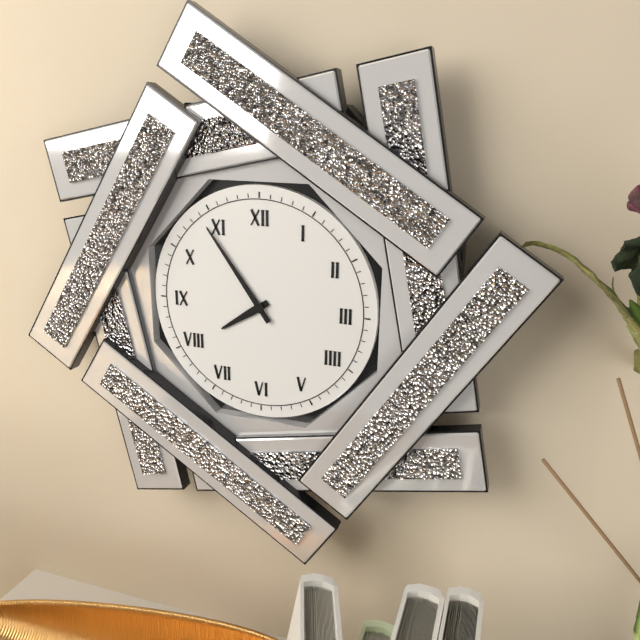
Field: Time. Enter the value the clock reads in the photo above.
7:54
